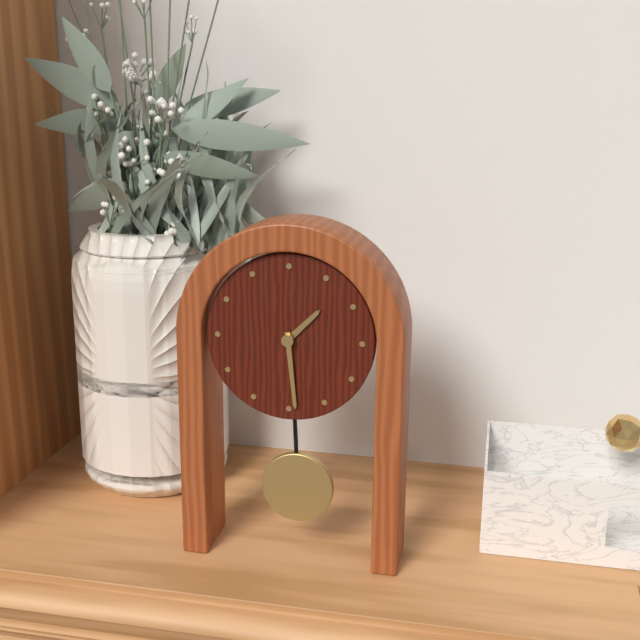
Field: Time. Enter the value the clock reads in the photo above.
1:29
